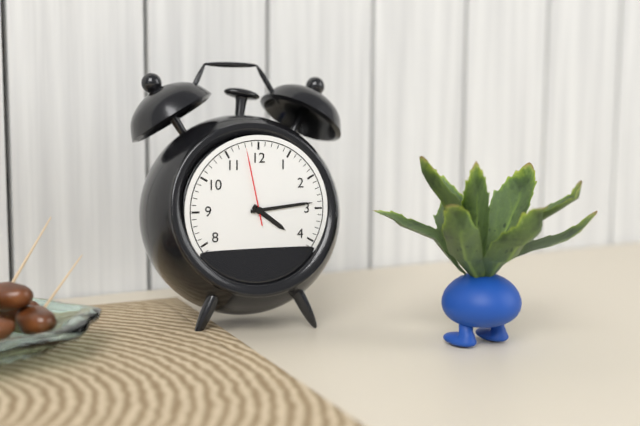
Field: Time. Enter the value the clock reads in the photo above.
4:14:58
